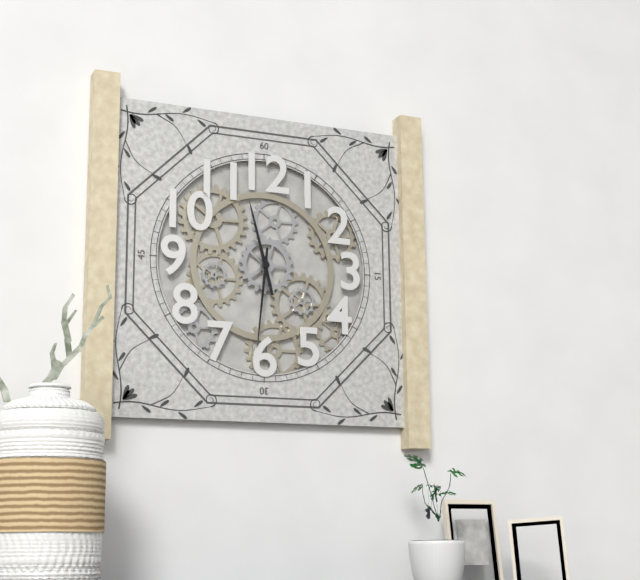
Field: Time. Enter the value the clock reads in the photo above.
11:31
